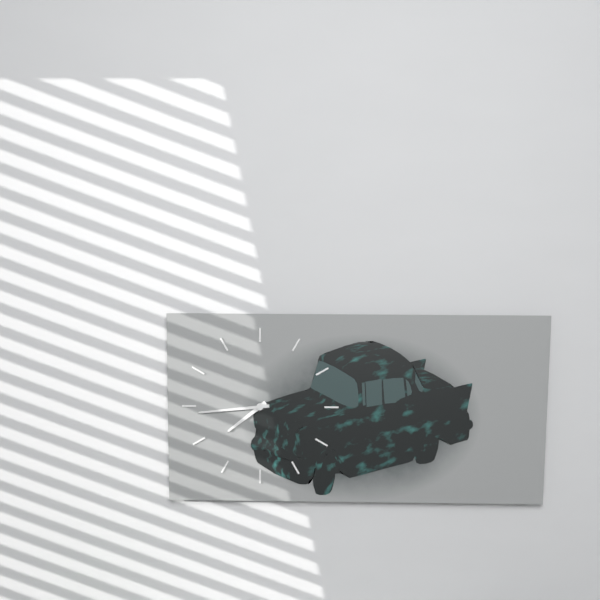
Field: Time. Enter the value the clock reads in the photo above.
7:44
